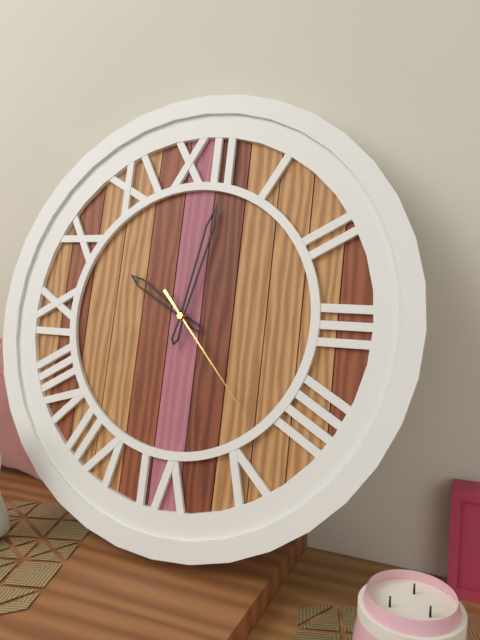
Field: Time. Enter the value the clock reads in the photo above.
10:02:23
